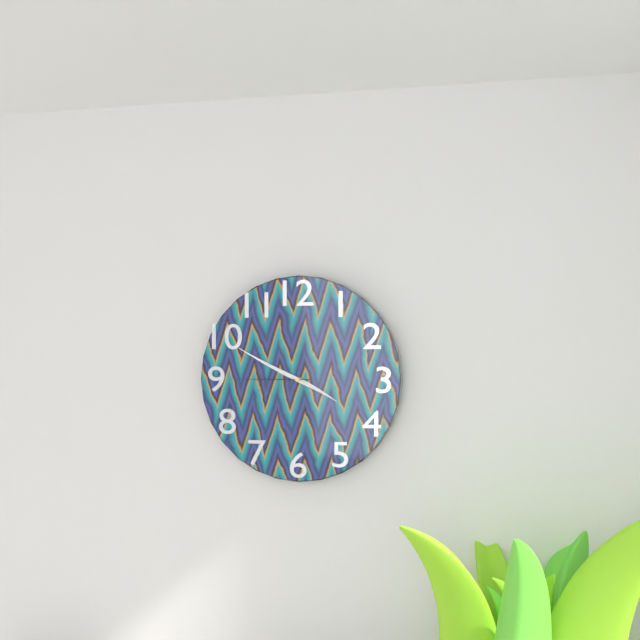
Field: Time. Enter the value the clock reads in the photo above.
3:49:45
